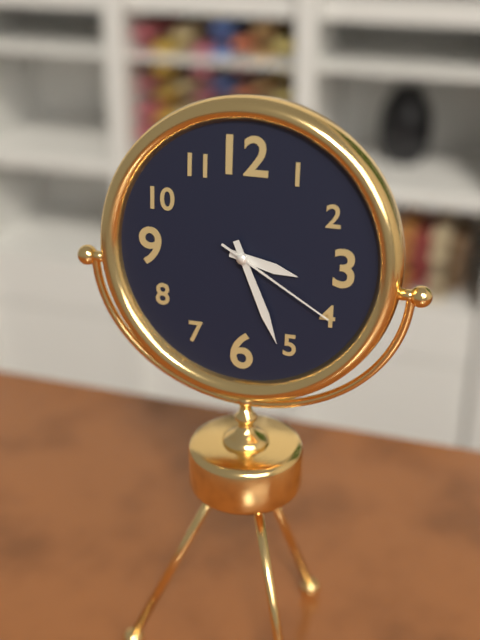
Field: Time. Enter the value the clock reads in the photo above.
3:26:20
